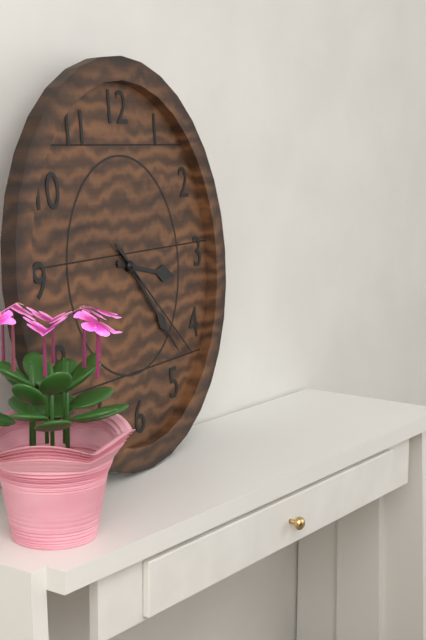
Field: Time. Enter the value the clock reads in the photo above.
3:23:22
